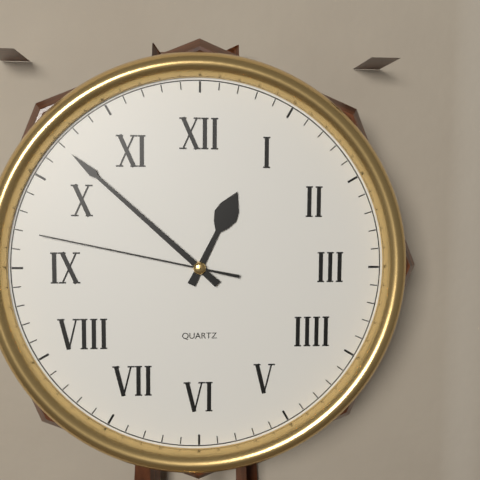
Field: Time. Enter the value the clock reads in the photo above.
12:52:47
